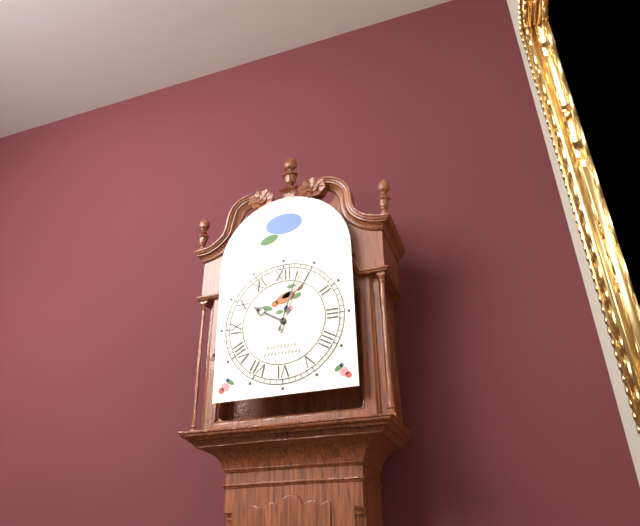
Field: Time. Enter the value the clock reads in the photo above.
10:03
